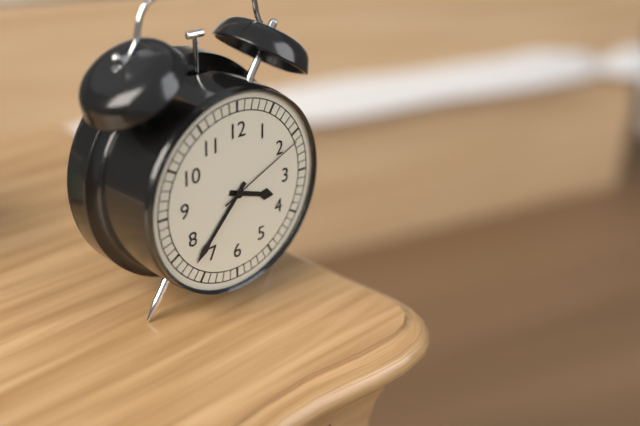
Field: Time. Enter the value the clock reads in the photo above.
3:37:11
